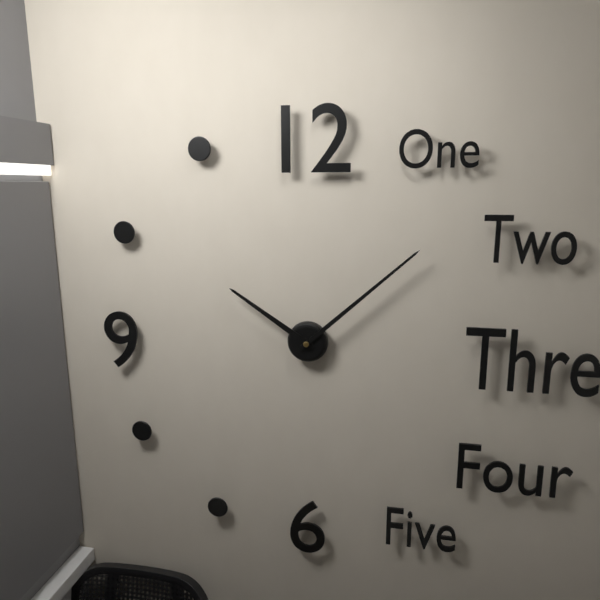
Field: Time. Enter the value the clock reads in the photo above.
10:08
